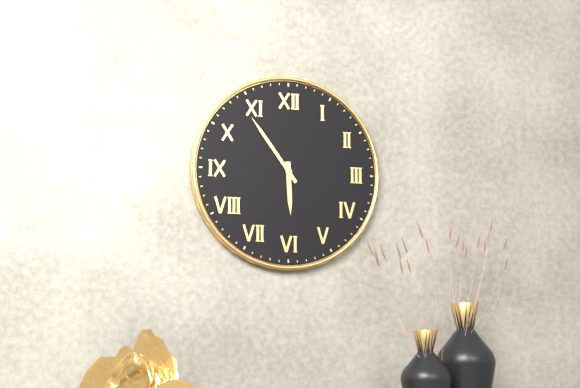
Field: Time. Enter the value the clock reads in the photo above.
5:54
